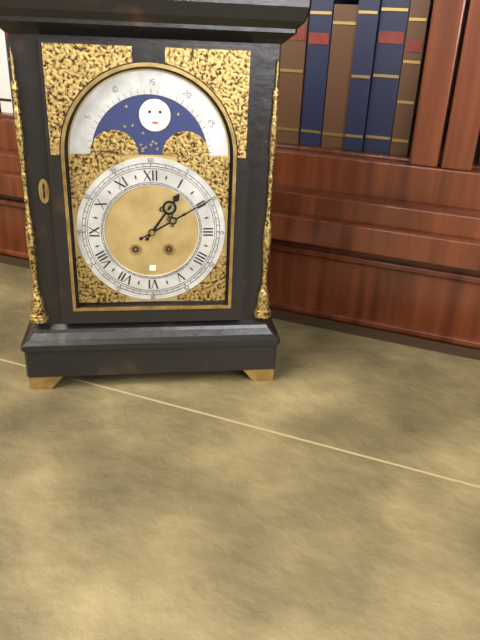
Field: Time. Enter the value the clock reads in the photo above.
1:10
